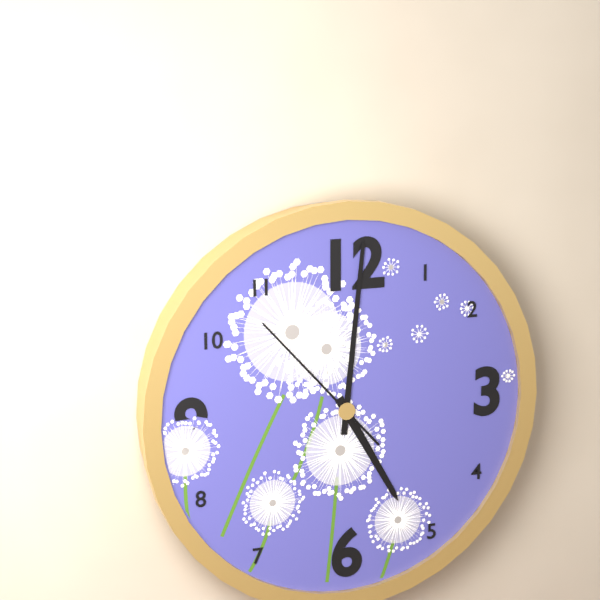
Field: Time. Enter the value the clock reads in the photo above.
5:01:53
